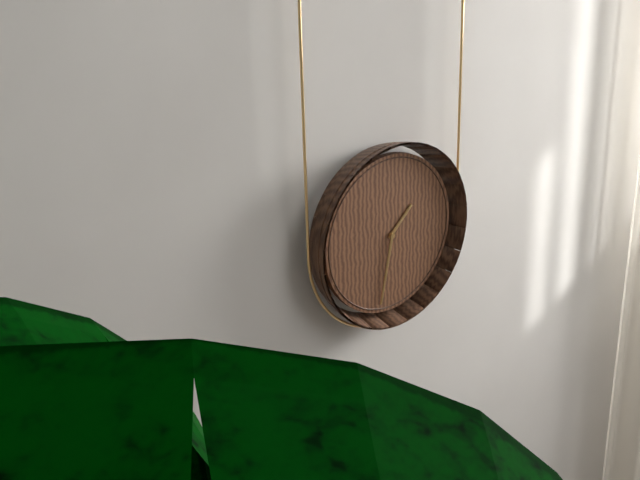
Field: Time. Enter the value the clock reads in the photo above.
1:32
